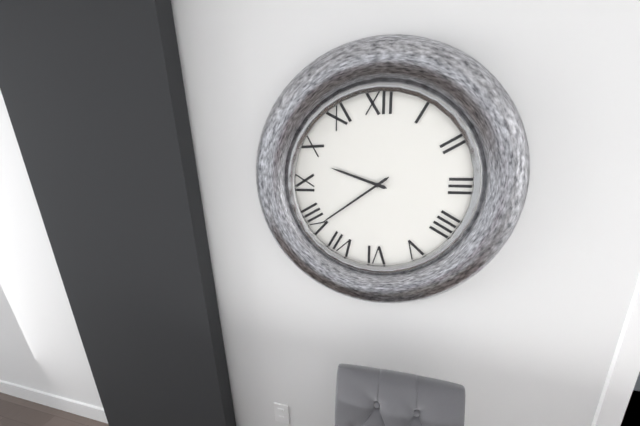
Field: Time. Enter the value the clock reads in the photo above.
9:39
